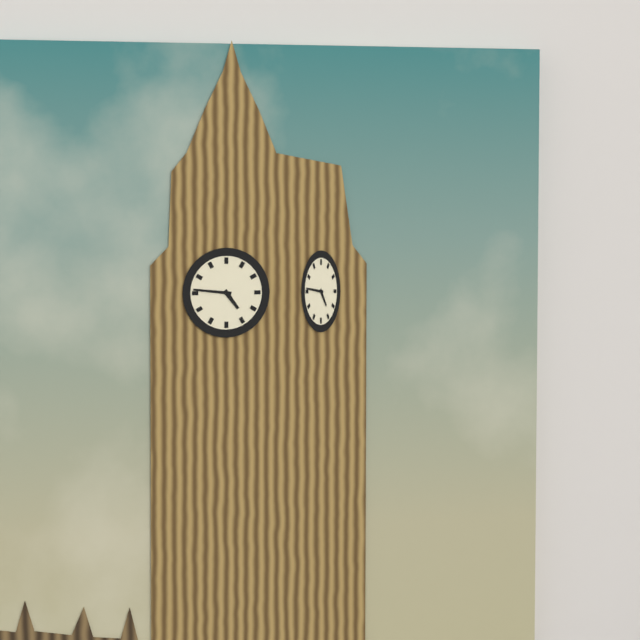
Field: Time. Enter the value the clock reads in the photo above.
4:46
